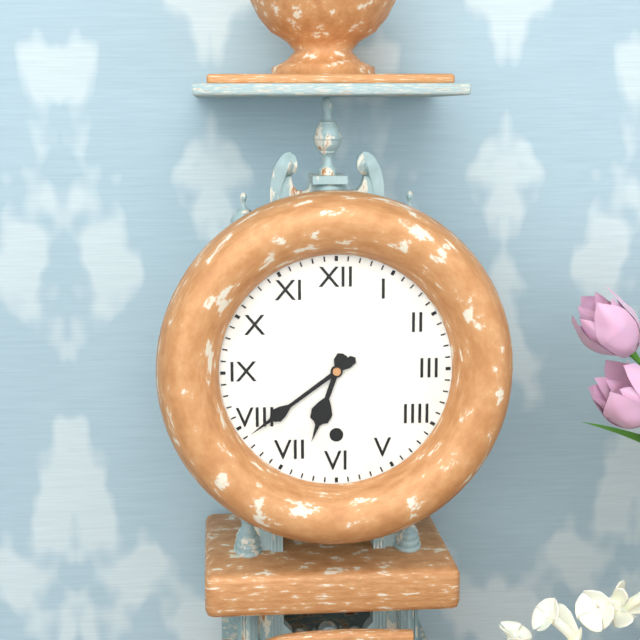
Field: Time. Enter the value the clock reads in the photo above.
6:39
